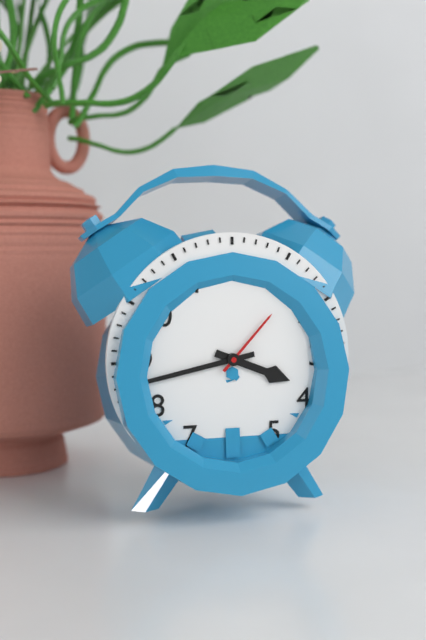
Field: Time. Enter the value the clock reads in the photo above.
3:43:07
